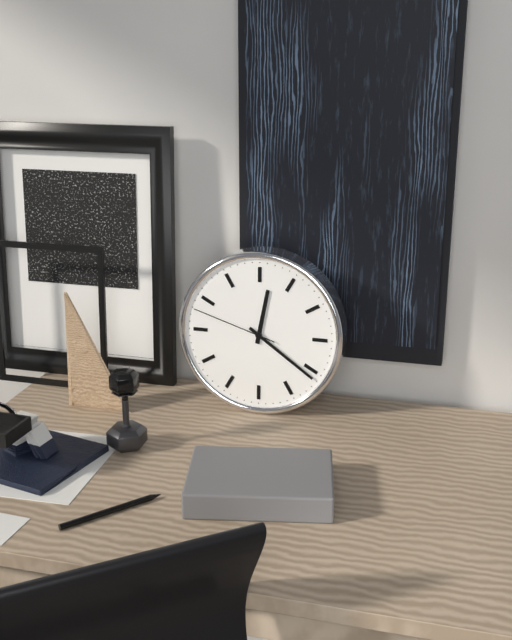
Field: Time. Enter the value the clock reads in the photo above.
12:21:48
